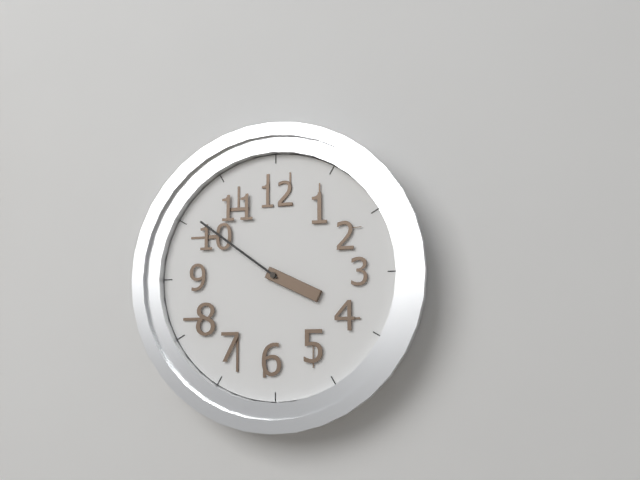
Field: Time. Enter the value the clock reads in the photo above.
3:51
